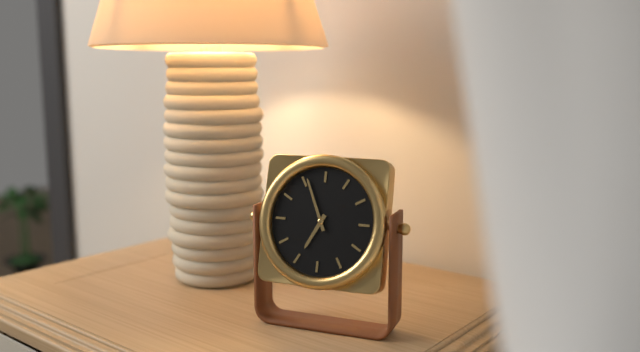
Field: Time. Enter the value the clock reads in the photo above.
6:56
